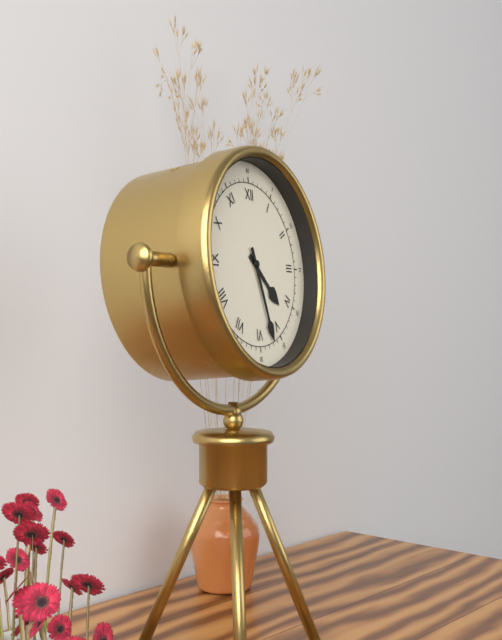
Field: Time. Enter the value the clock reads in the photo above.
4:27
